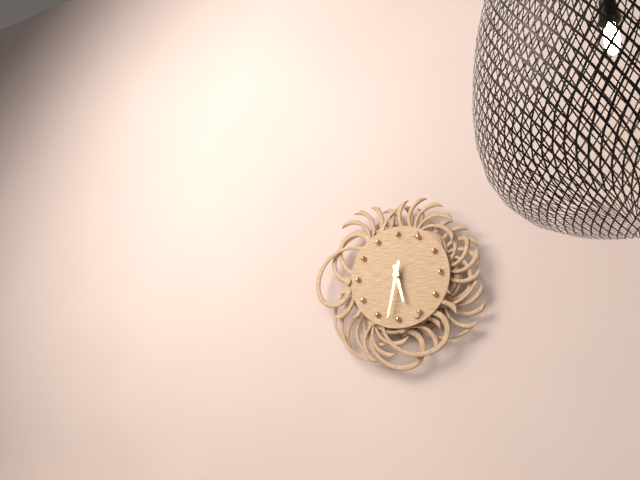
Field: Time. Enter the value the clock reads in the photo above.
5:32
